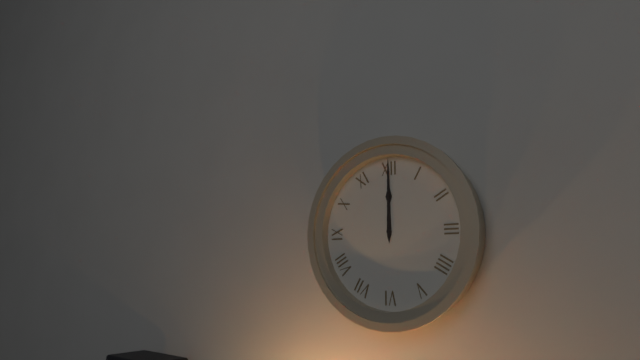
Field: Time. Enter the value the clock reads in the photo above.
12:00
